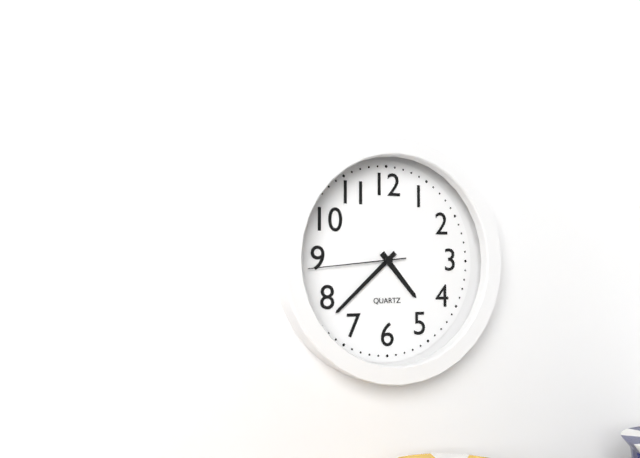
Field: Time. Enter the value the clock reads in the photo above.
4:38:44
